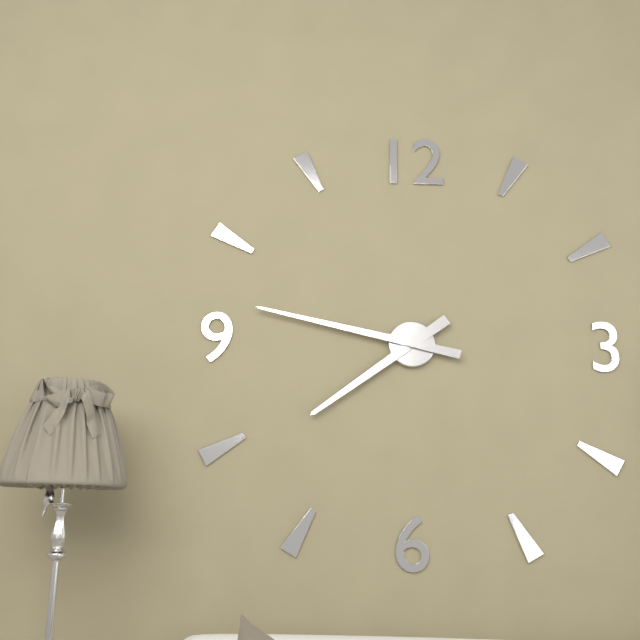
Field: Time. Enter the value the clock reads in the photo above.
7:47
